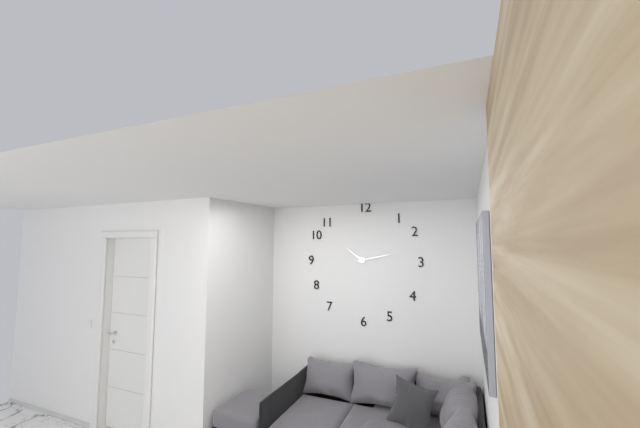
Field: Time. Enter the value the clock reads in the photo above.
10:13
